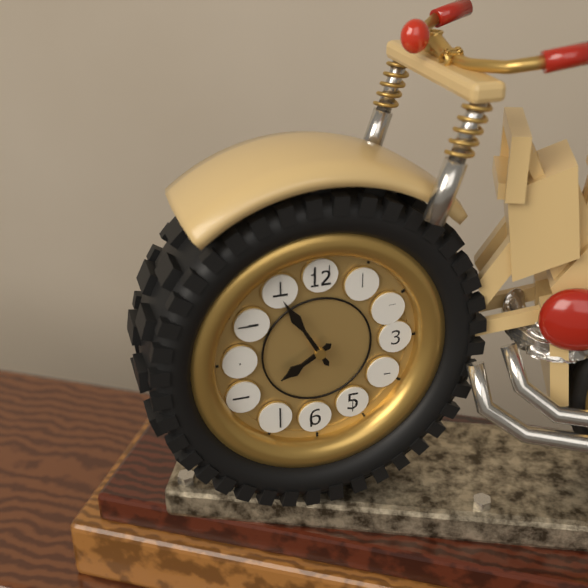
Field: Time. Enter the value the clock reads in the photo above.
7:55
